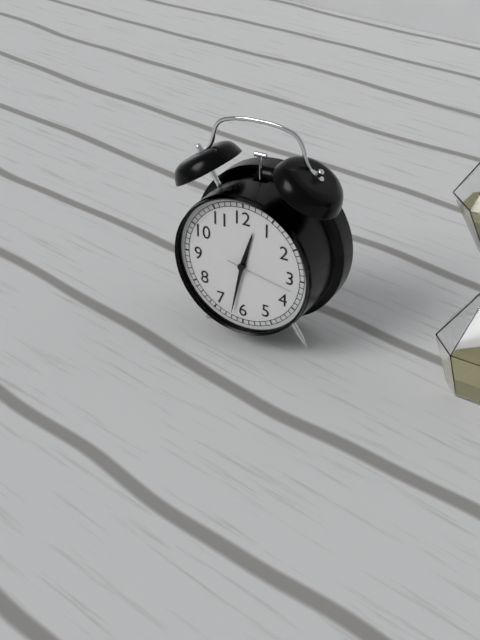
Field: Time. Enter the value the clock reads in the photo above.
12:32:17
